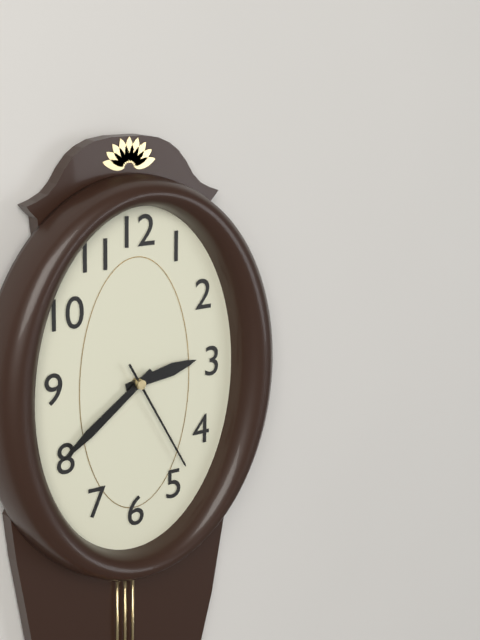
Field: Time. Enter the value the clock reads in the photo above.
2:39:25
